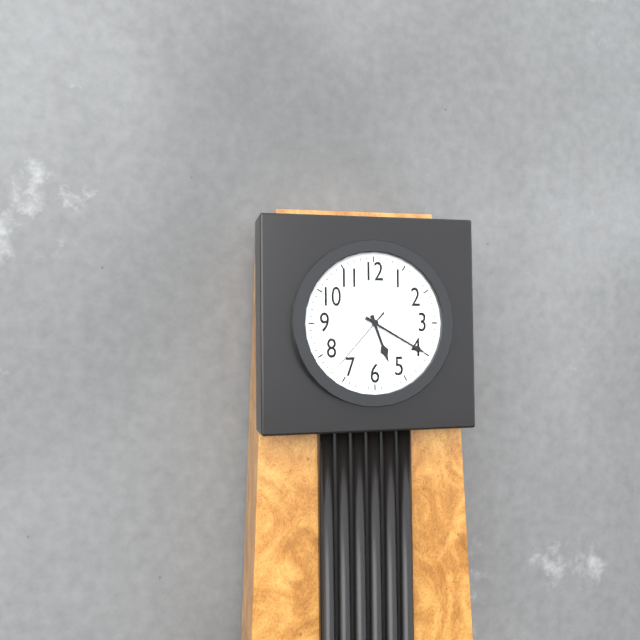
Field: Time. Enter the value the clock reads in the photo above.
5:20:37
